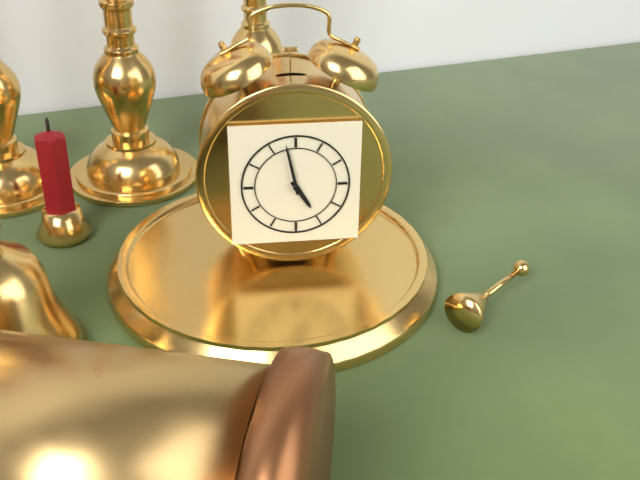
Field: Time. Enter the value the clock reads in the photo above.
4:58
